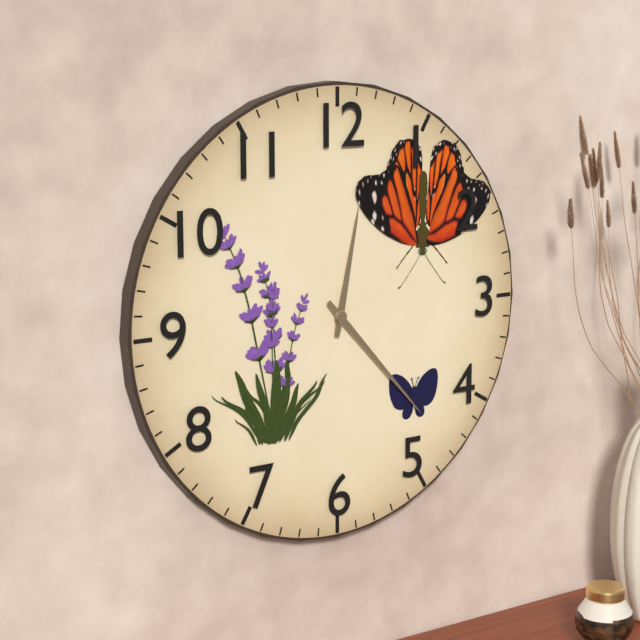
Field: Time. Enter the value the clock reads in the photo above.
12:23
